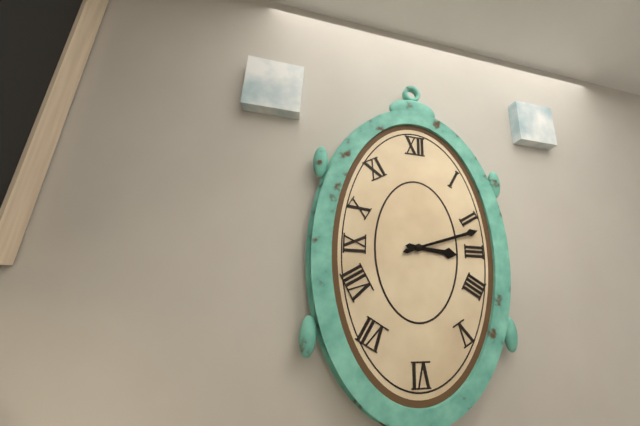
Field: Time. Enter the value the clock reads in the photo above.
3:12
